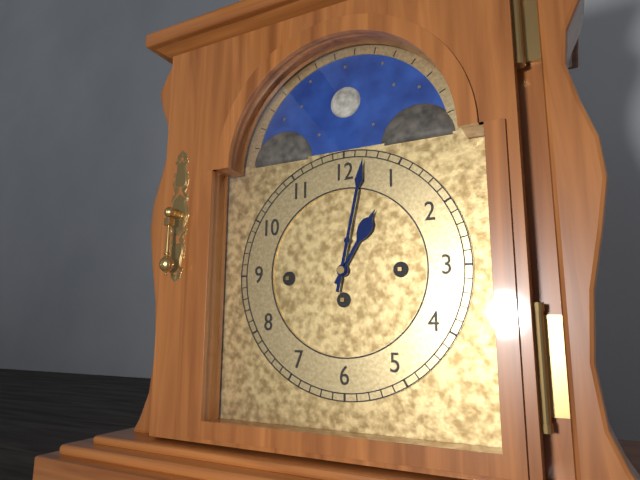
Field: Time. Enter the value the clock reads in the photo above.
1:02
